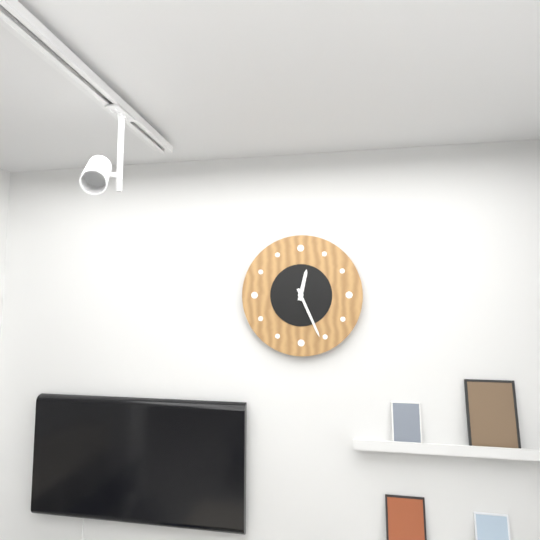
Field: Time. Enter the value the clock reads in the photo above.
12:26
